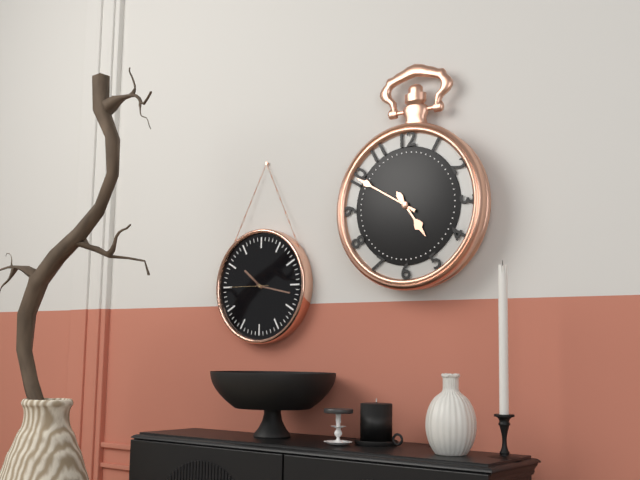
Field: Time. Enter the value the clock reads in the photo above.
4:50
